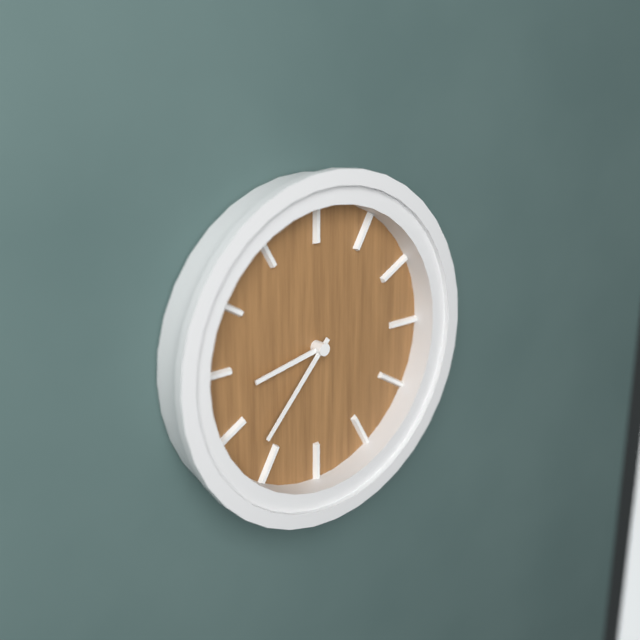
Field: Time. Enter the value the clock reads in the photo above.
8:37
